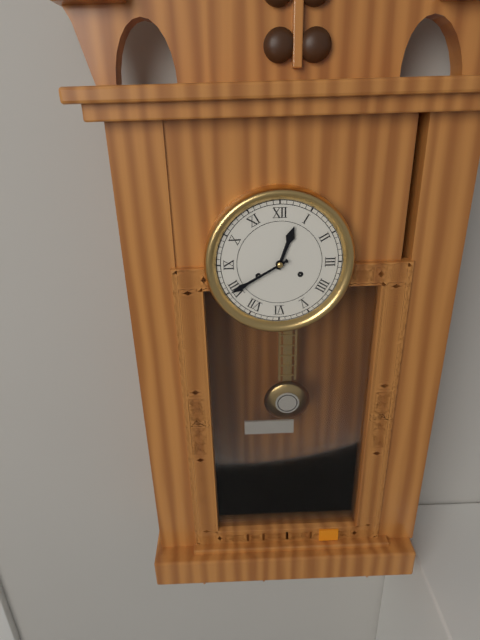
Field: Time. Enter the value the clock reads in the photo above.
12:40
